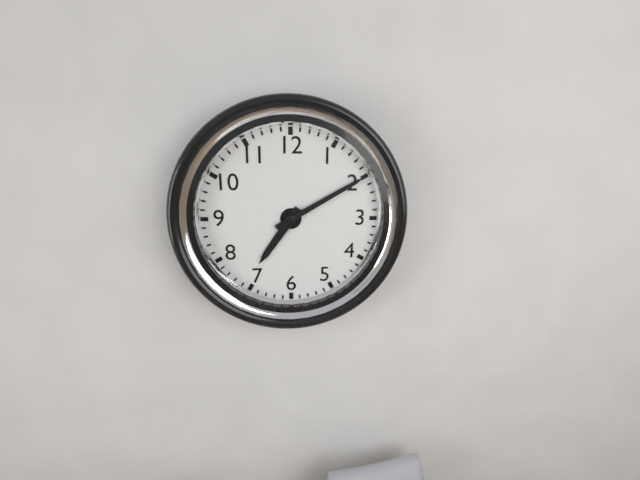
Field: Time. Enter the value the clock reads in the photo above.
7:10
